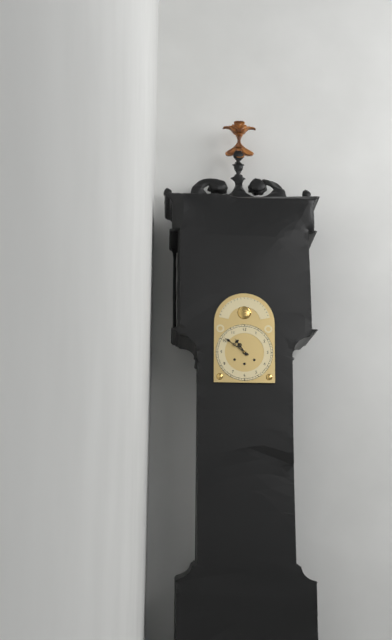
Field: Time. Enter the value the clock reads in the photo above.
10:51
